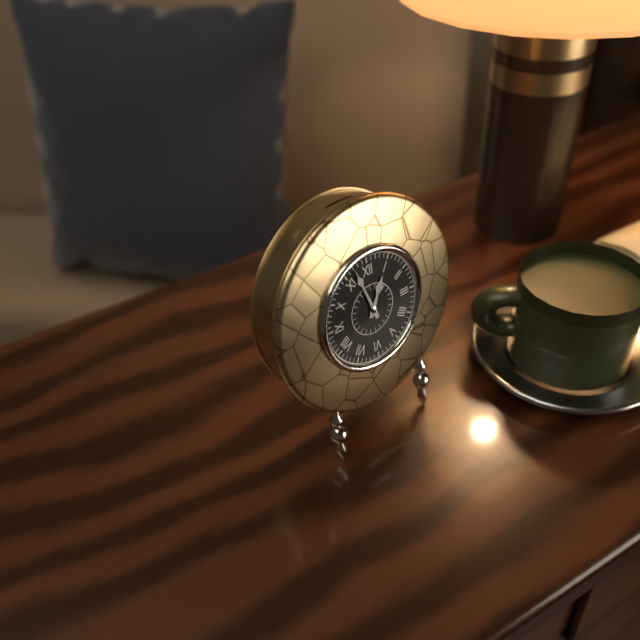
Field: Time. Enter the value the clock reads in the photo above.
12:57
